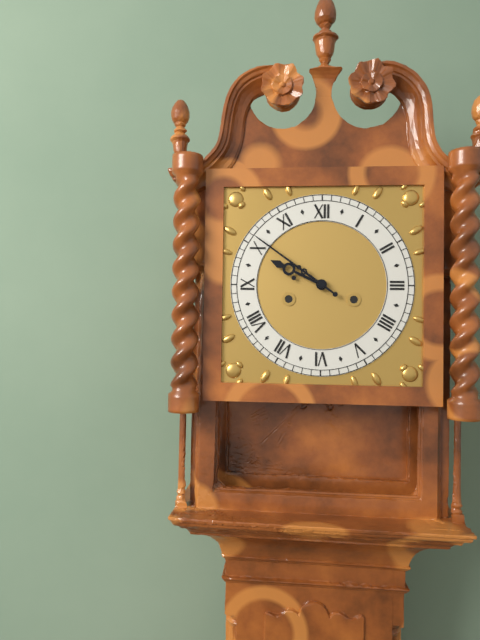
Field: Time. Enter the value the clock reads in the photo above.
9:51
